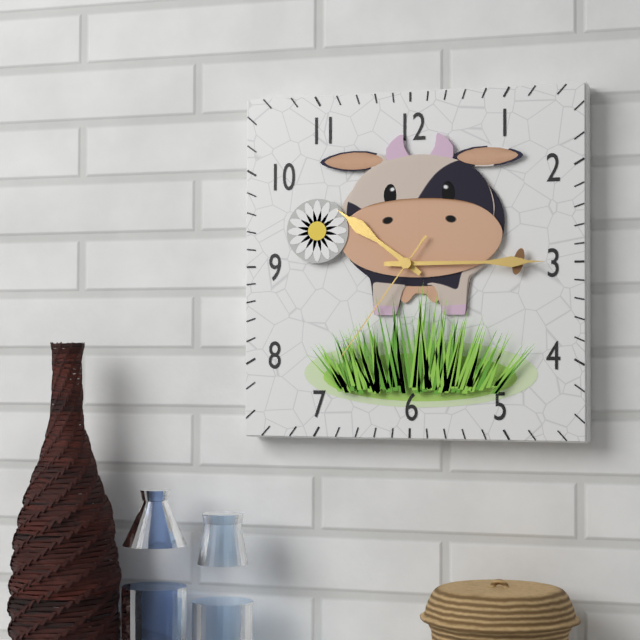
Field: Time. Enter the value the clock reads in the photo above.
10:15:36
